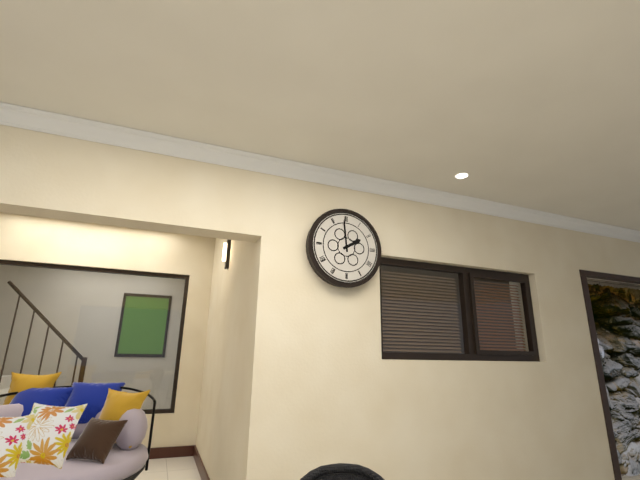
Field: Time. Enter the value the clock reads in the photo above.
1:59
